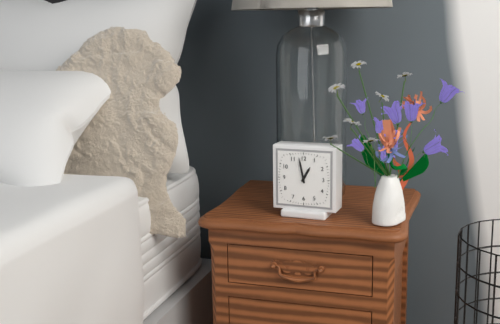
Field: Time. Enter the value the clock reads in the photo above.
12:58
